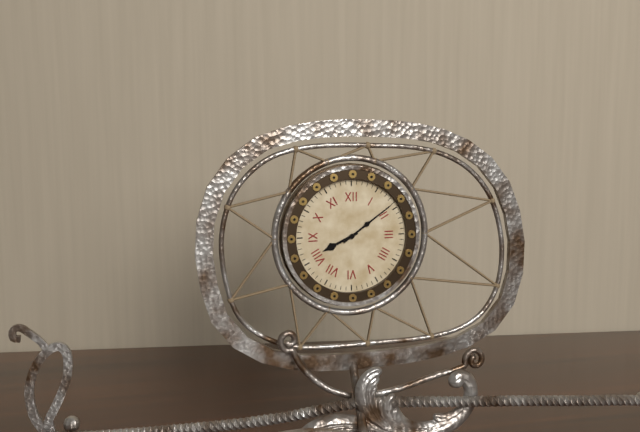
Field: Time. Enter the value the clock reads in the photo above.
8:09
